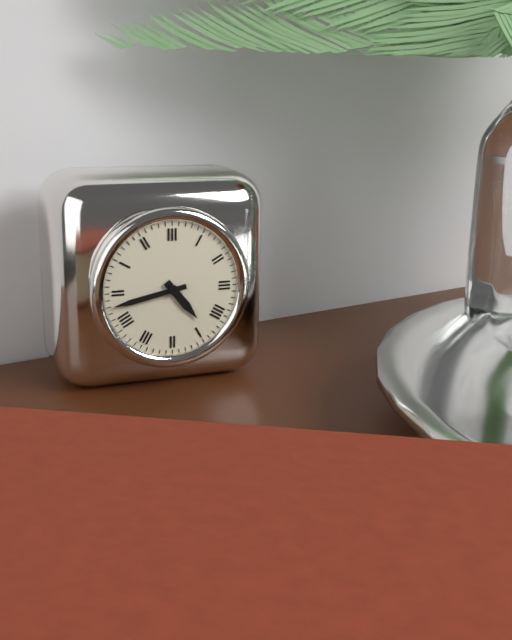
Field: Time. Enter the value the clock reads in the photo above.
4:43
